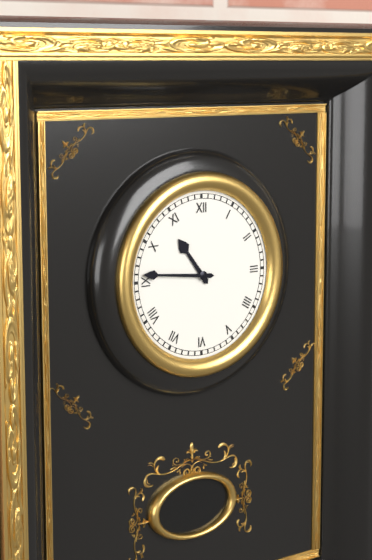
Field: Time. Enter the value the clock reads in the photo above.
10:46
